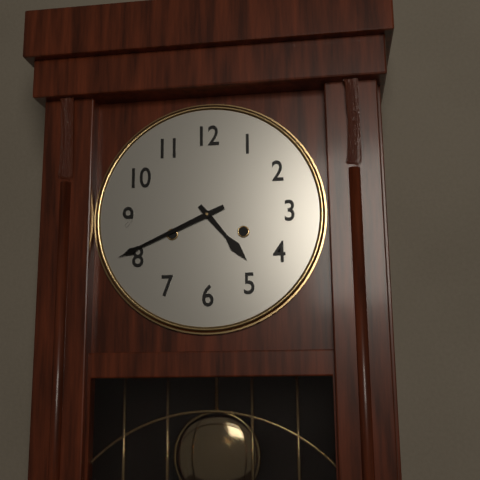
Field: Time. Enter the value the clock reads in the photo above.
4:41
